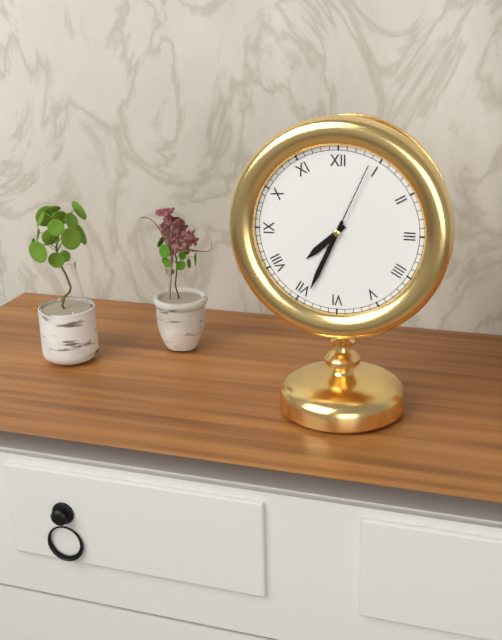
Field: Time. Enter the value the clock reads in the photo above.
7:34:04
